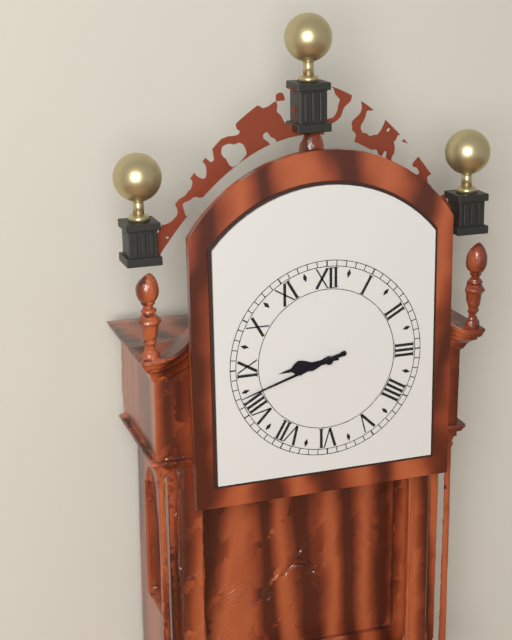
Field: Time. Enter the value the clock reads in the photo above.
8:42
